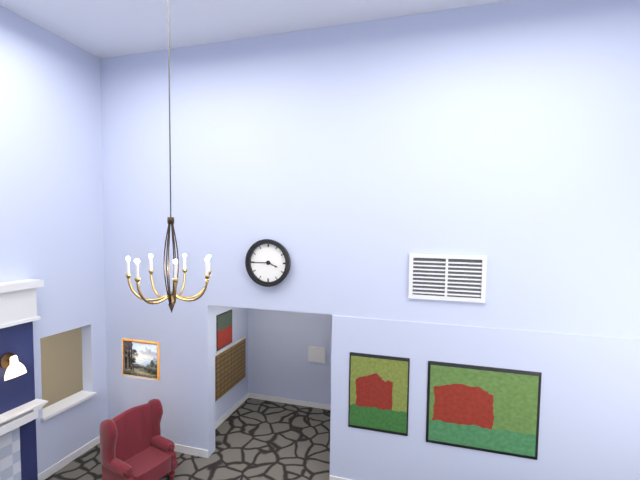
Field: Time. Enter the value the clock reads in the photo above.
3:45
